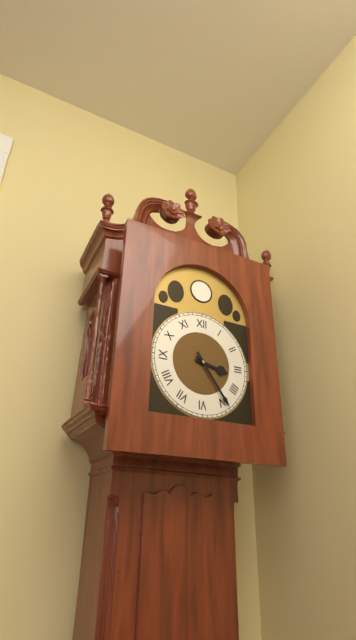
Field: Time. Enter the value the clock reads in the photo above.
3:24
